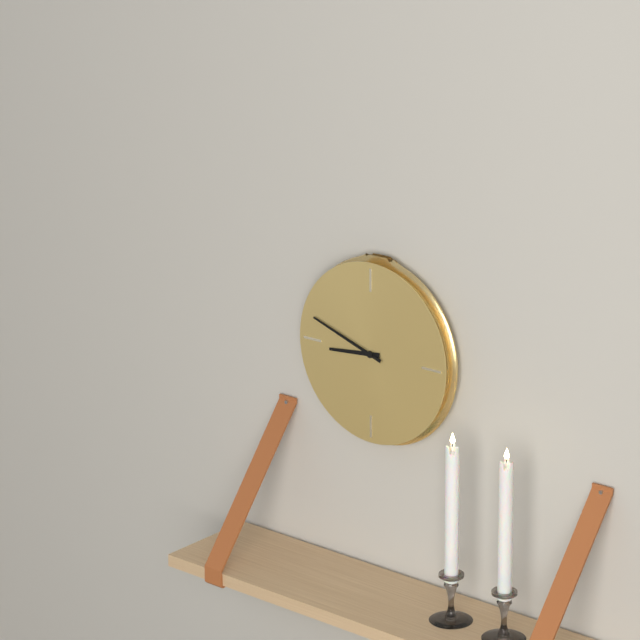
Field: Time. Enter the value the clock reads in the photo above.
8:48
